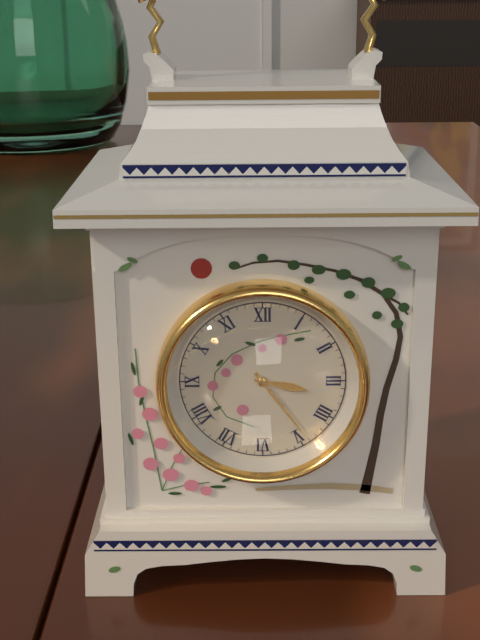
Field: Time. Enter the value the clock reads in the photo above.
3:24
